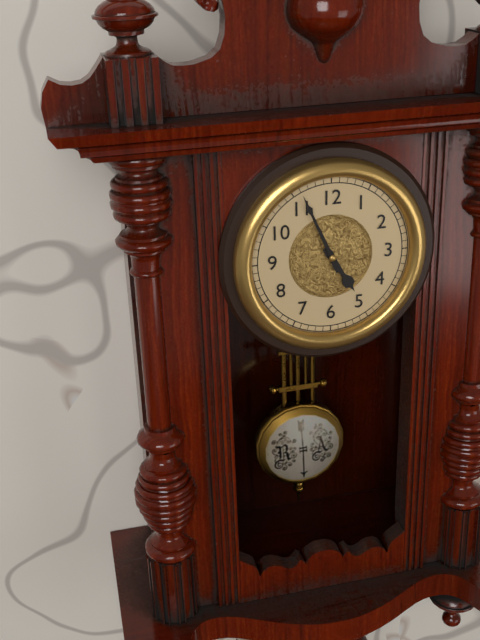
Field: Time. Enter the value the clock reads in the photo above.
4:56
